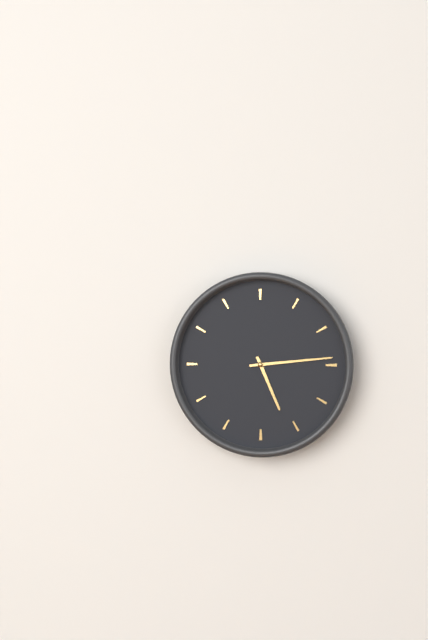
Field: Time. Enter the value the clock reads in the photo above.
5:14
